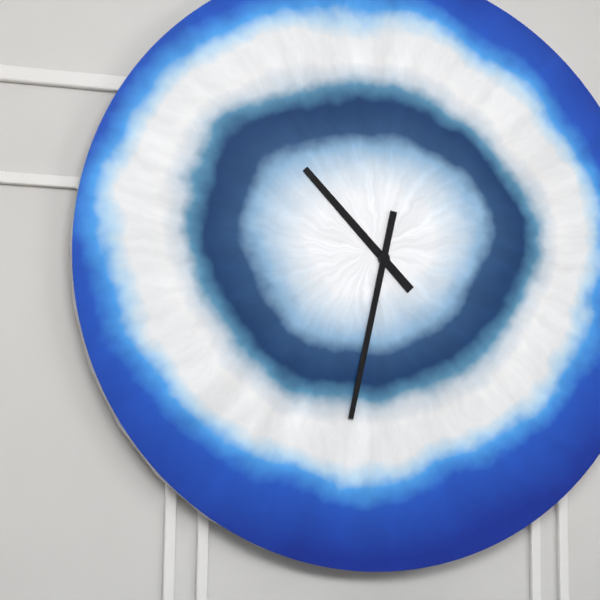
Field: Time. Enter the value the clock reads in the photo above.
10:32
